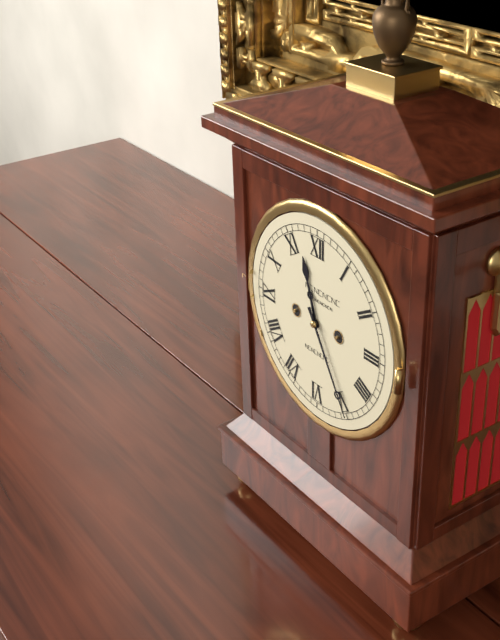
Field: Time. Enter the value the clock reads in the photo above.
11:25
